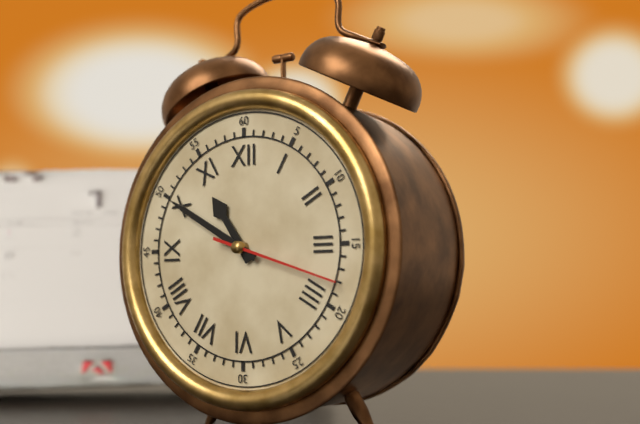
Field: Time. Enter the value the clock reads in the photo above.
10:50:18
